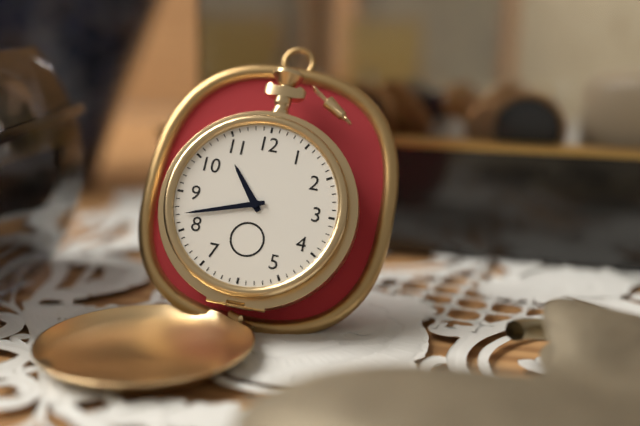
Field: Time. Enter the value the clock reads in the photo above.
10:42
